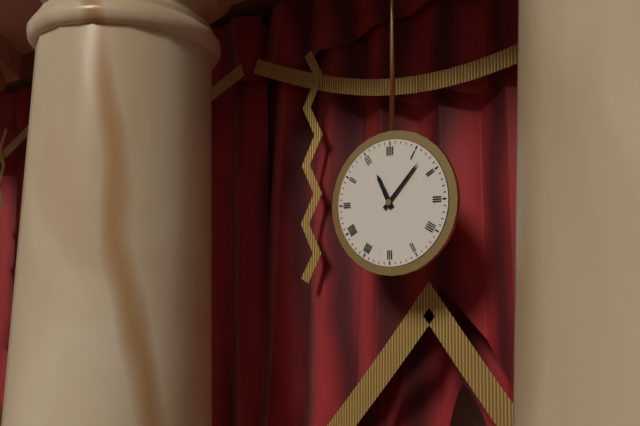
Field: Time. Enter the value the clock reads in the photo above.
11:07
